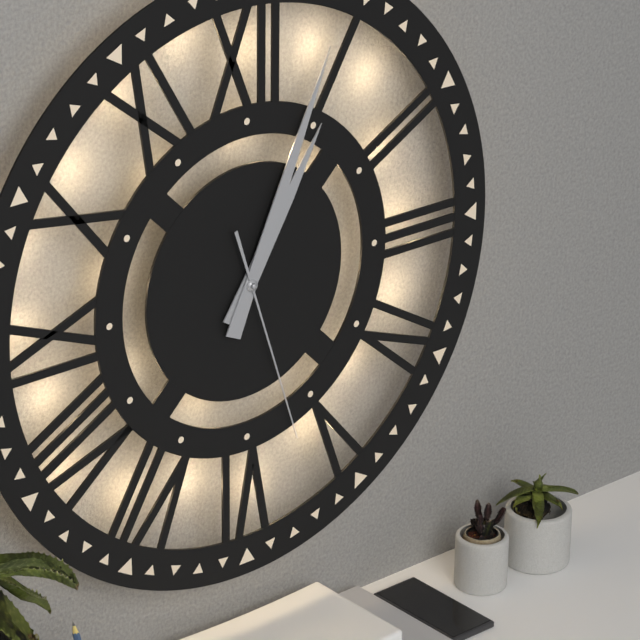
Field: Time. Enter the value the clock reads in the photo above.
1:04:27
